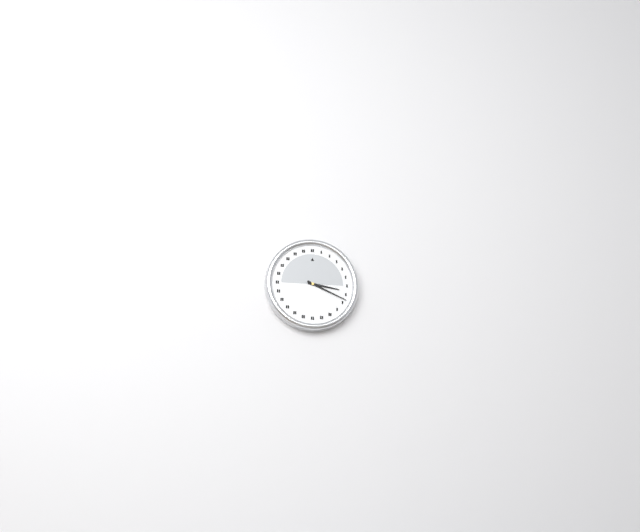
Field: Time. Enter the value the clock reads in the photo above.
3:19
